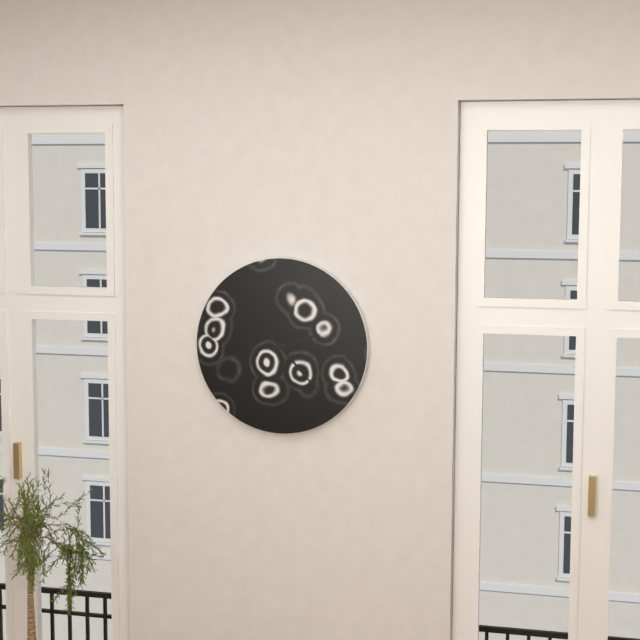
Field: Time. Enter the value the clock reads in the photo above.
2:23
